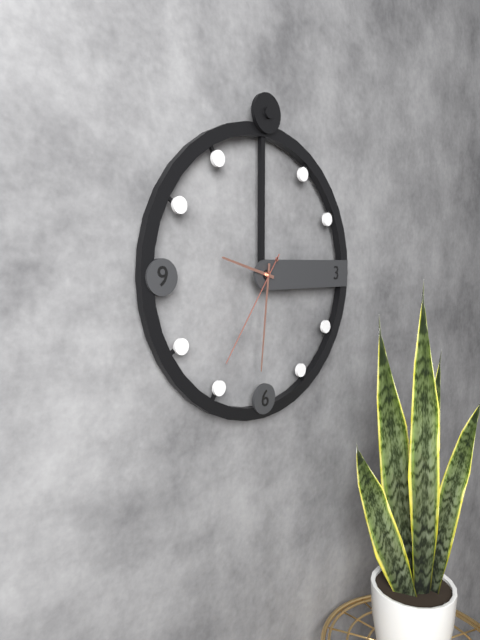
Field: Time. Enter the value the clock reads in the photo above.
9:31:36
